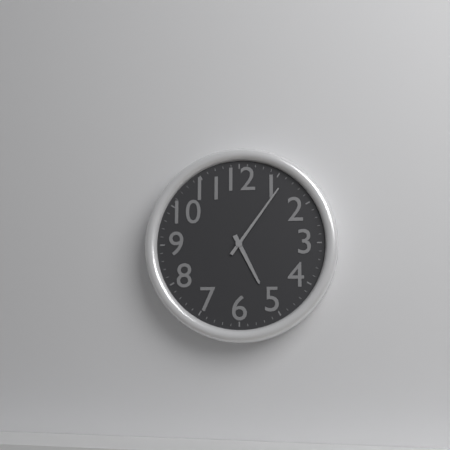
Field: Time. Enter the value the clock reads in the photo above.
5:06
